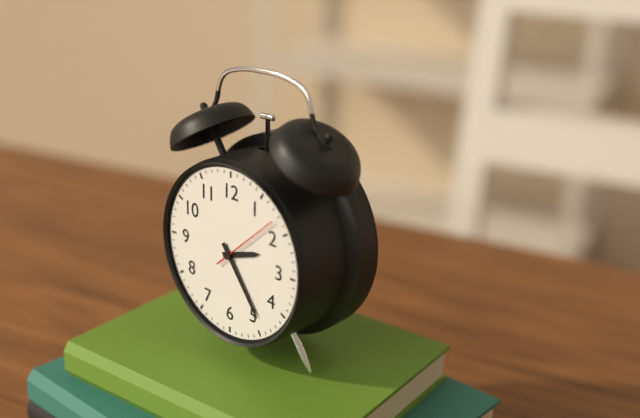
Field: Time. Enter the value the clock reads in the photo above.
2:24:08
